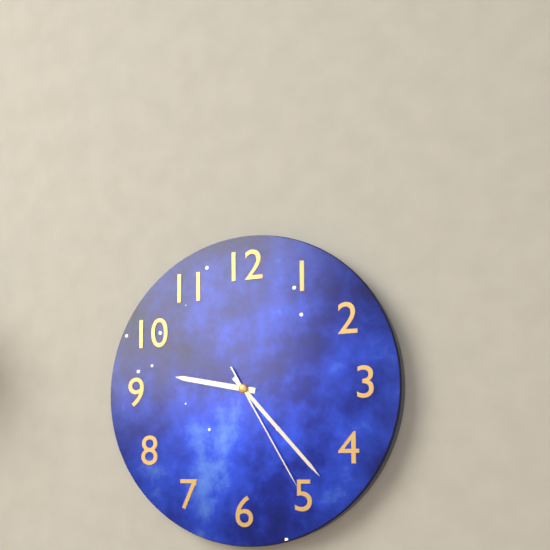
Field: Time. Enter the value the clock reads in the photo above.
9:23:25
